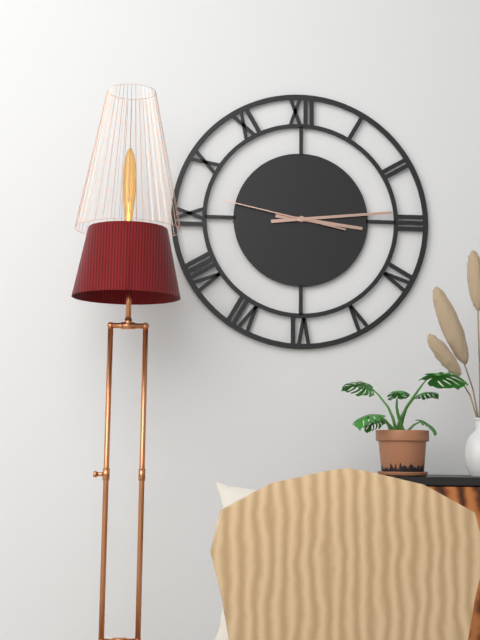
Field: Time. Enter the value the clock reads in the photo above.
3:14:47
